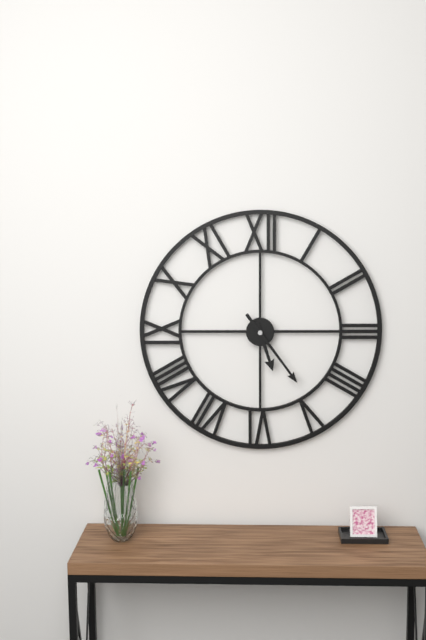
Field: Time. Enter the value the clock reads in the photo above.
5:24
